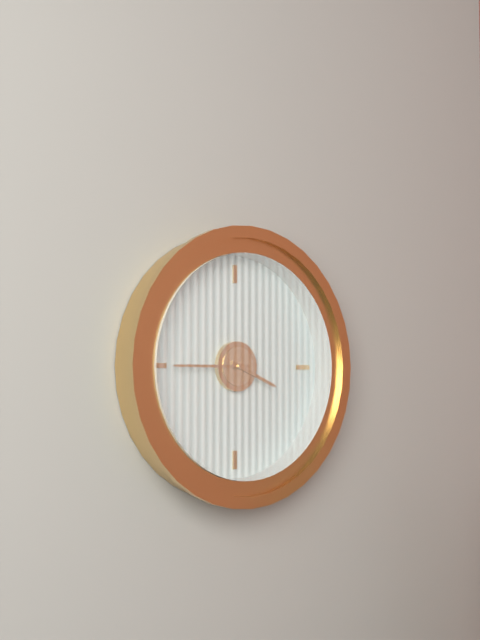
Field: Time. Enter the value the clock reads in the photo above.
3:45
